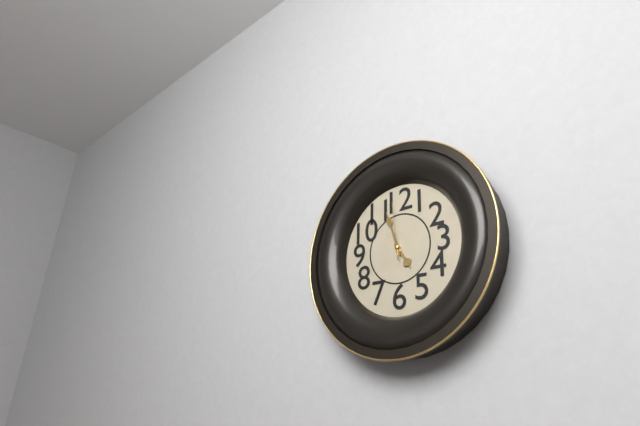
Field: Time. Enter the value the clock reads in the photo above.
4:57:59
